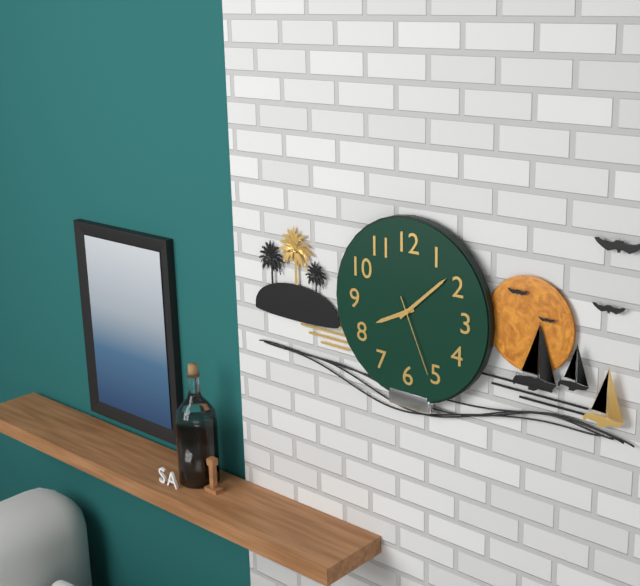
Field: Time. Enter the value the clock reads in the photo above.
8:08:26
